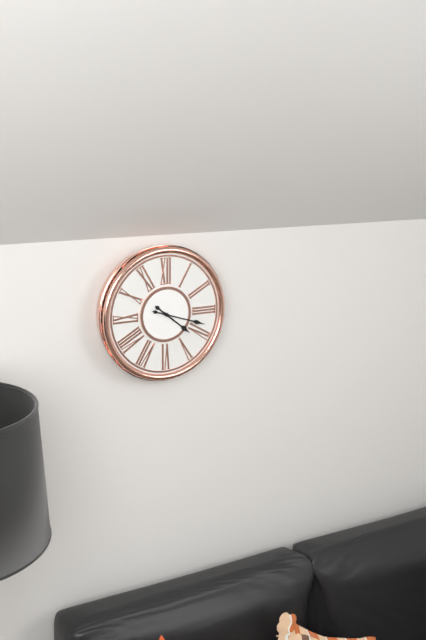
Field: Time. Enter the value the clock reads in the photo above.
4:18
